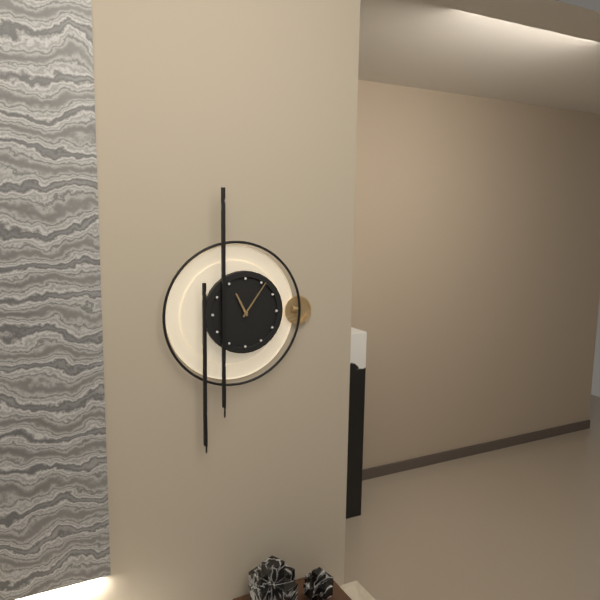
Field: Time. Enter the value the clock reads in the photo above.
11:06
